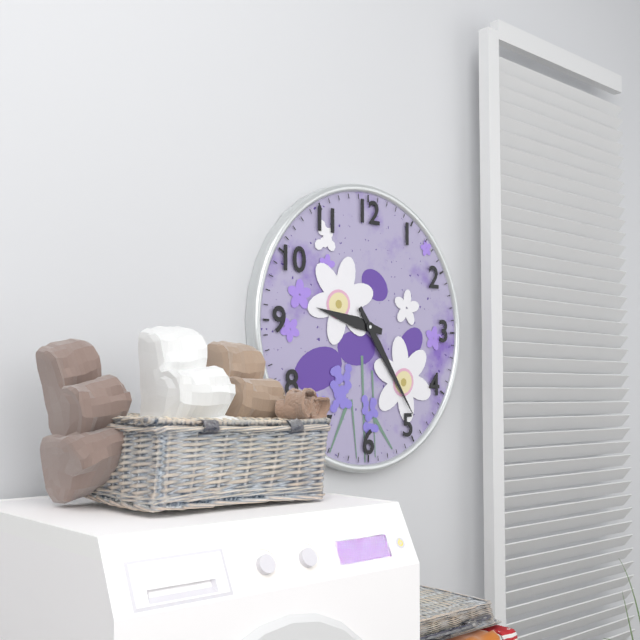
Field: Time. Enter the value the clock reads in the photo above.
9:24
